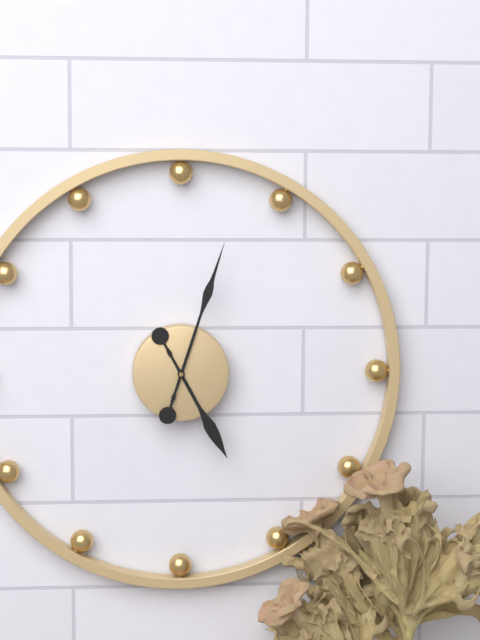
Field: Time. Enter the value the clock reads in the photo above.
5:03
